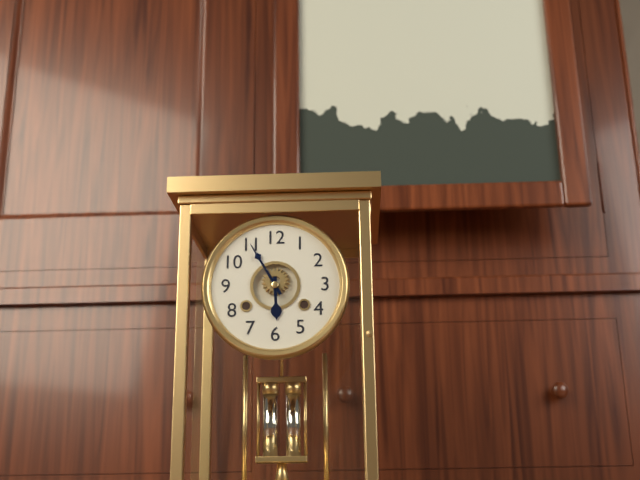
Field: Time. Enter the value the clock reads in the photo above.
5:55
